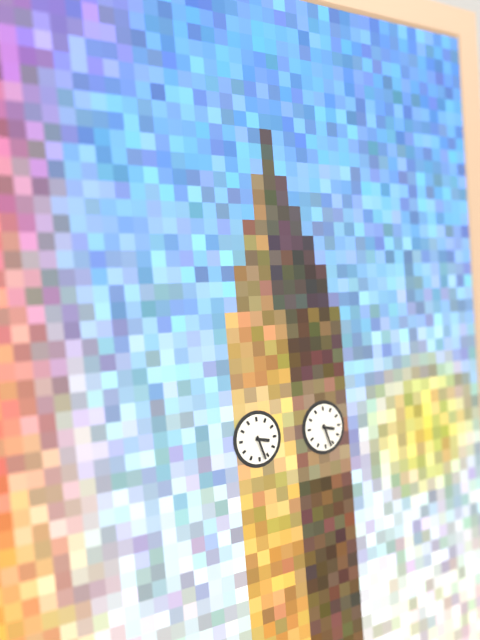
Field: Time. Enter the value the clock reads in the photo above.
3:27
